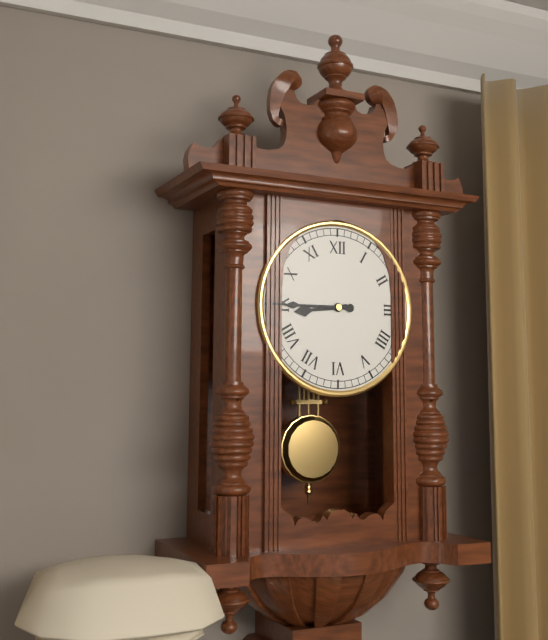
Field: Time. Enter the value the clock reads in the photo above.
8:45
